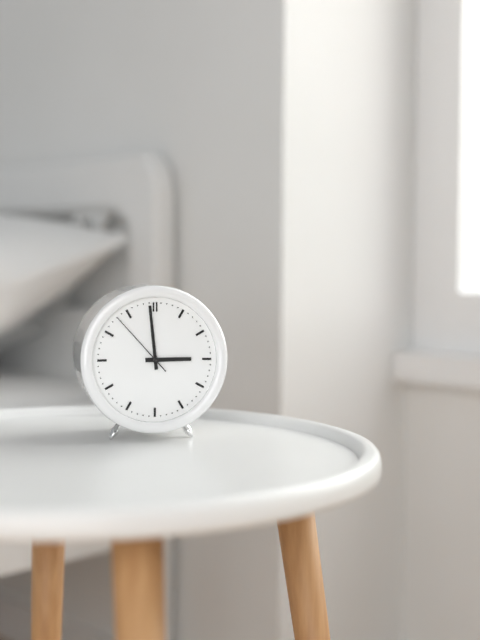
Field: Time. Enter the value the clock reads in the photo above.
2:59:53
